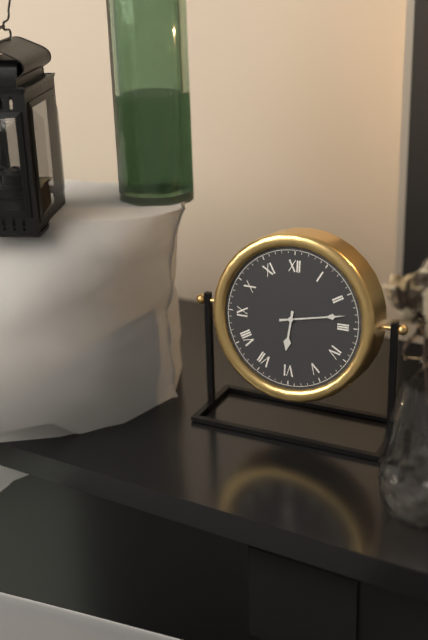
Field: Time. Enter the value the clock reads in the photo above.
6:13
